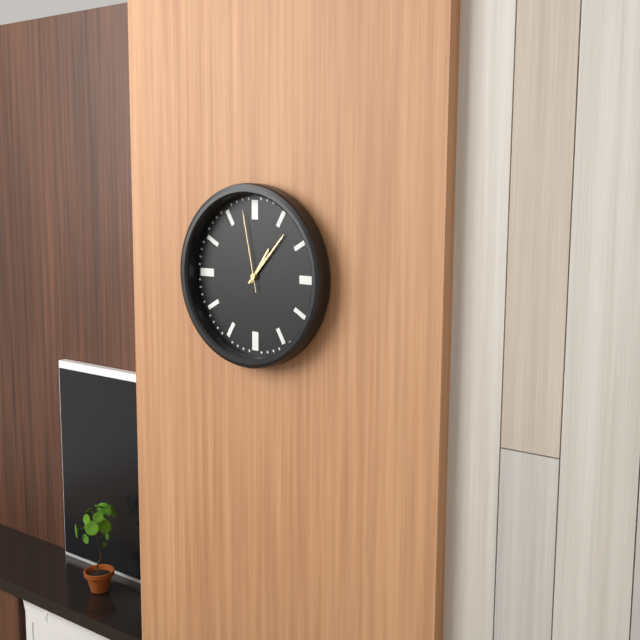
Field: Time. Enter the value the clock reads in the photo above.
1:07:58
